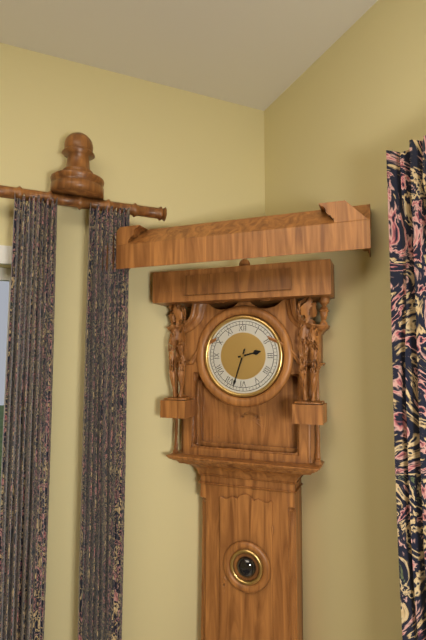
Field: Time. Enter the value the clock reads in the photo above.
2:33
